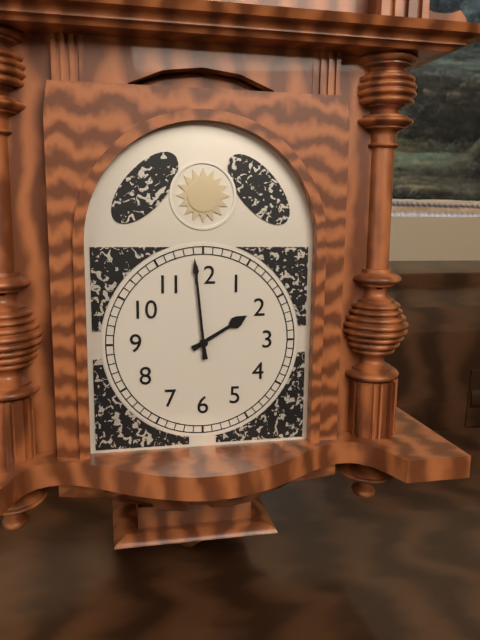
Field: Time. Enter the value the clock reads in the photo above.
1:59
